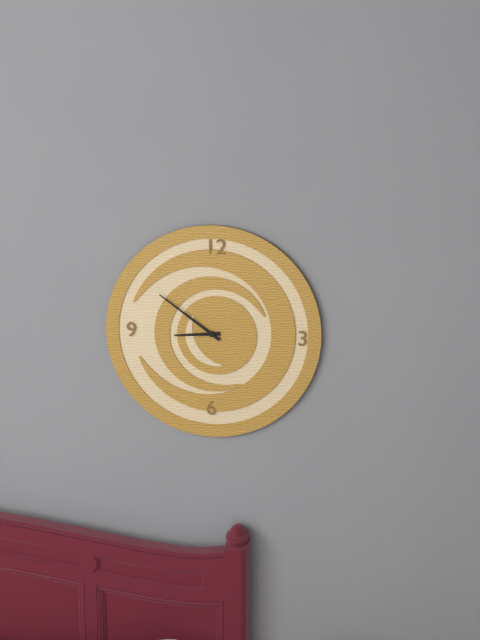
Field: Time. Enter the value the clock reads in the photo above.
8:51
